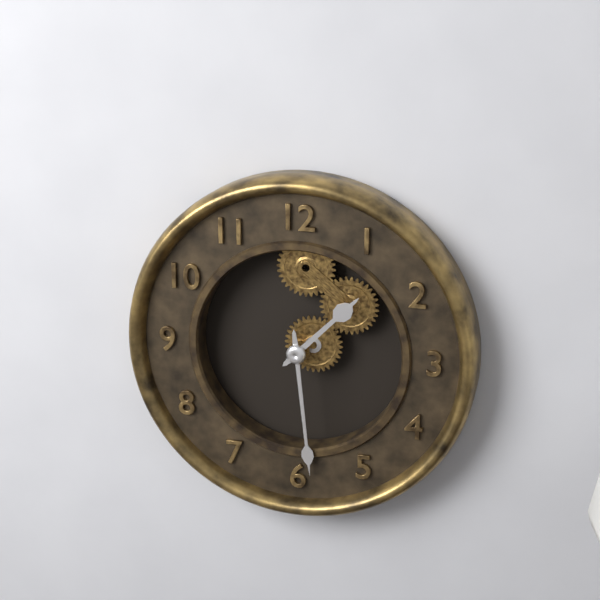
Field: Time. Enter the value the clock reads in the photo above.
1:29
